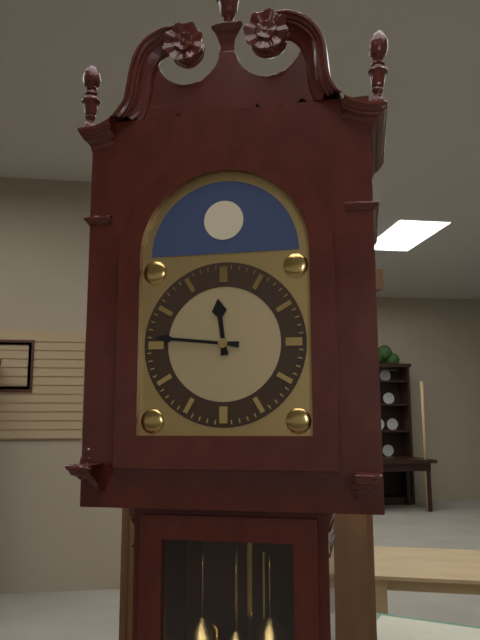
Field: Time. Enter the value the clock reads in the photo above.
11:46
